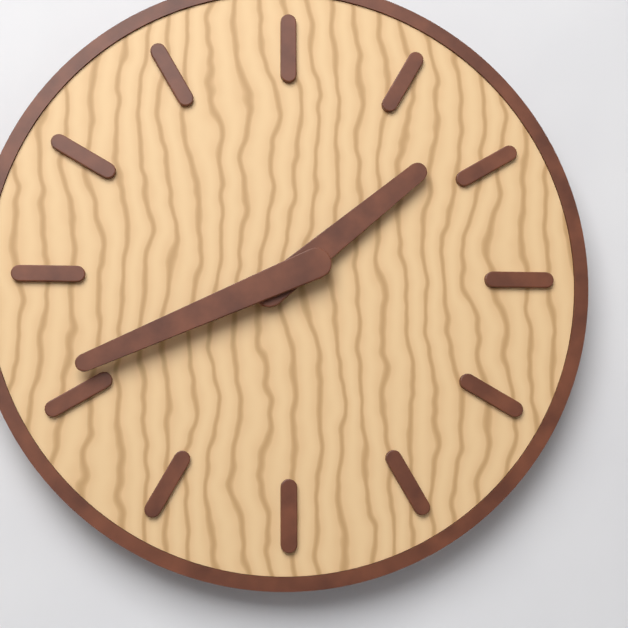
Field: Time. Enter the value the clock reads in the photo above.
1:41
